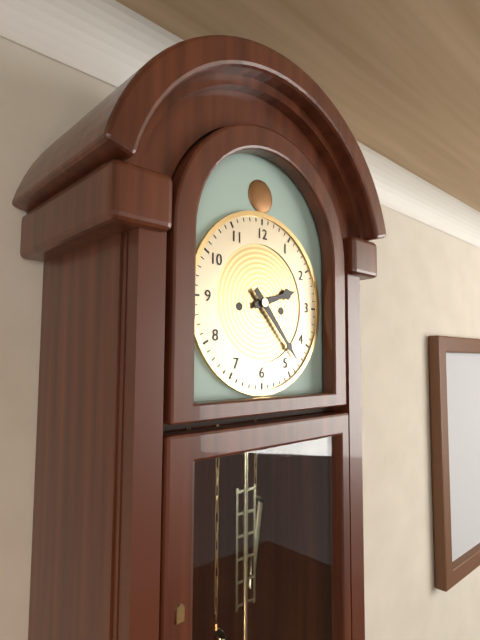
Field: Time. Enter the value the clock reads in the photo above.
2:23
